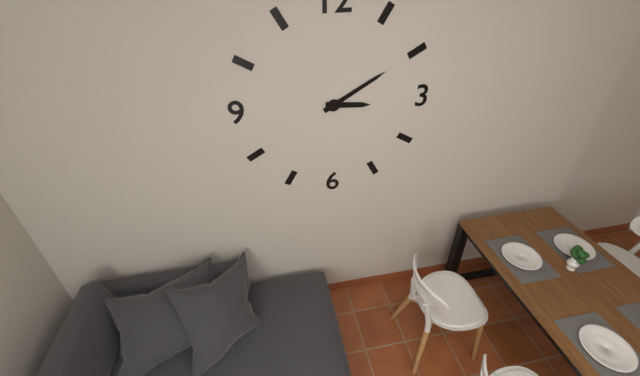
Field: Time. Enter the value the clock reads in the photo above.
3:10
